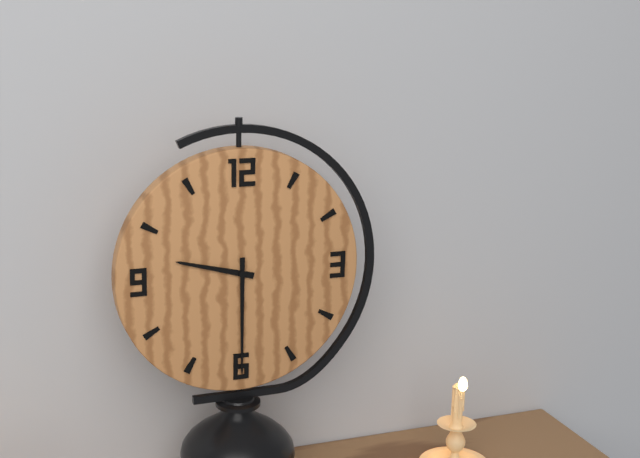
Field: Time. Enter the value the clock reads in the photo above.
9:30
